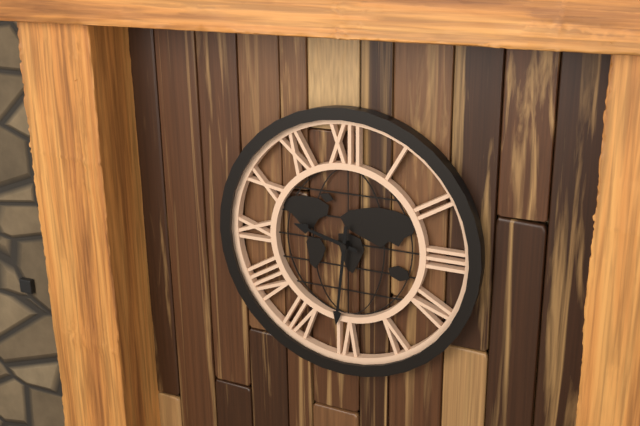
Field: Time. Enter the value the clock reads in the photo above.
9:31
